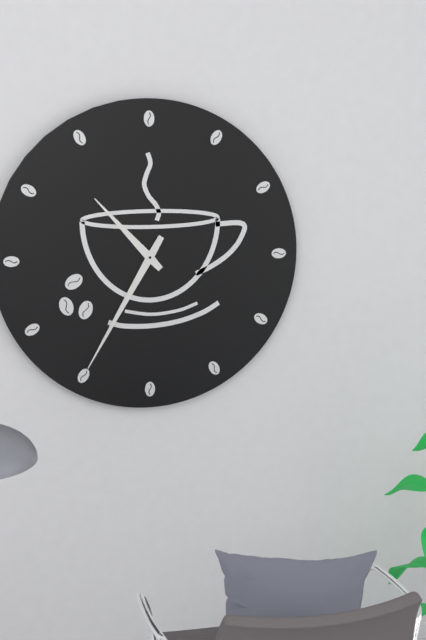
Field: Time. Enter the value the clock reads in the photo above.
10:35
